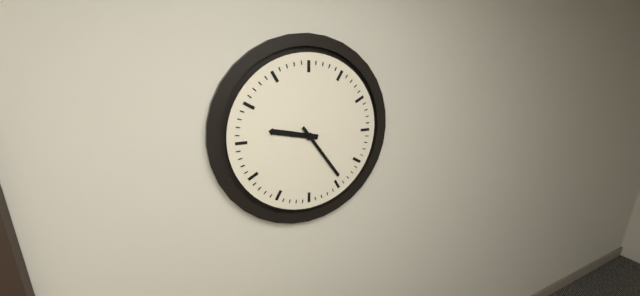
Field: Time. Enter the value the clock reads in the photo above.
9:24
